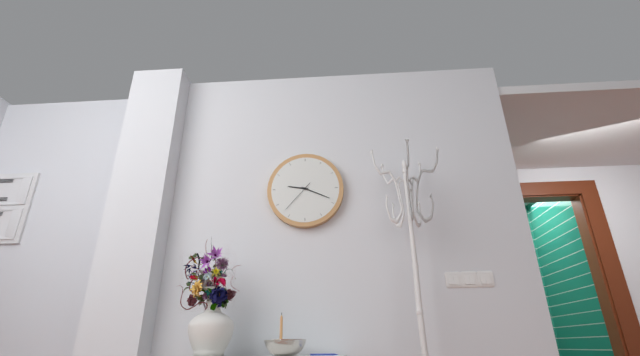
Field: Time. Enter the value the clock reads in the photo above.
9:19
